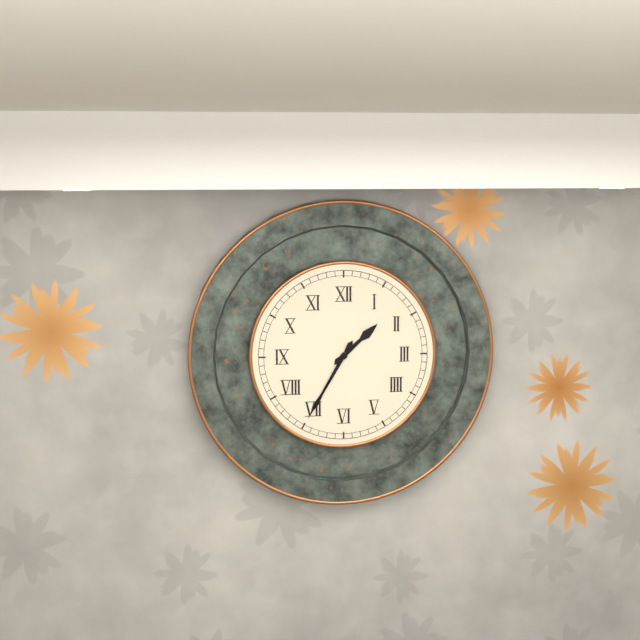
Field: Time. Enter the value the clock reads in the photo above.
1:35
